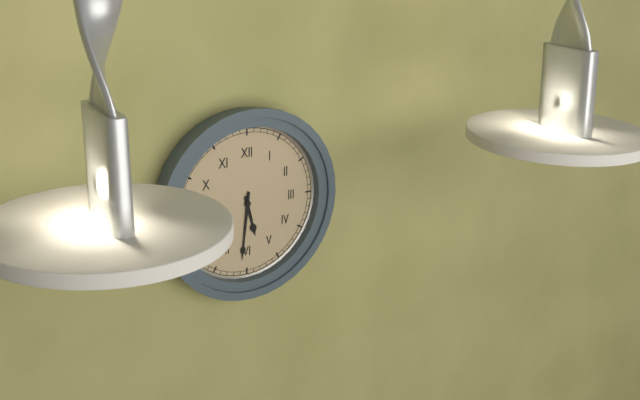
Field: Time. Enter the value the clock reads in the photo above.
5:31
